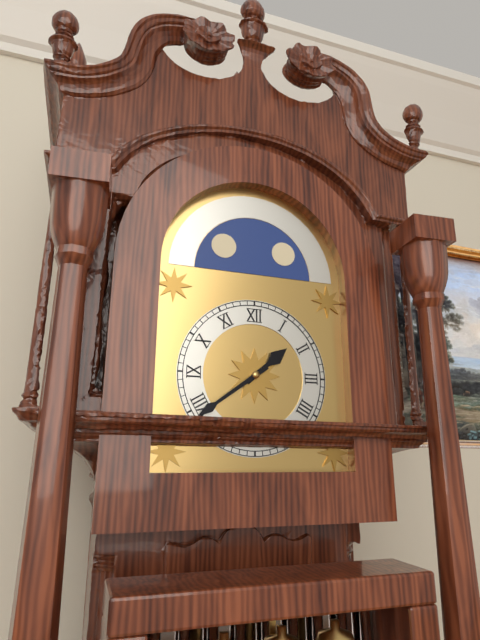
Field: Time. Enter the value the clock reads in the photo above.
1:39
